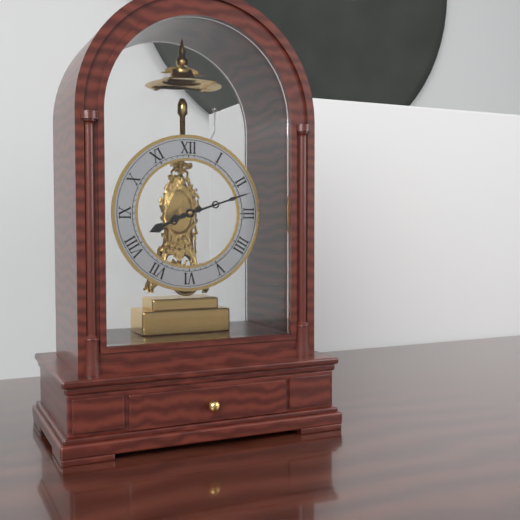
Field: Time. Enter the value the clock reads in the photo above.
8:12
